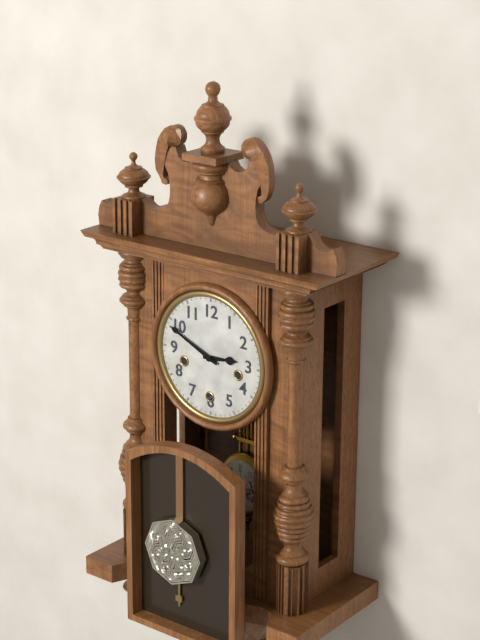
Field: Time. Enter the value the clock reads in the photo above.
2:49
